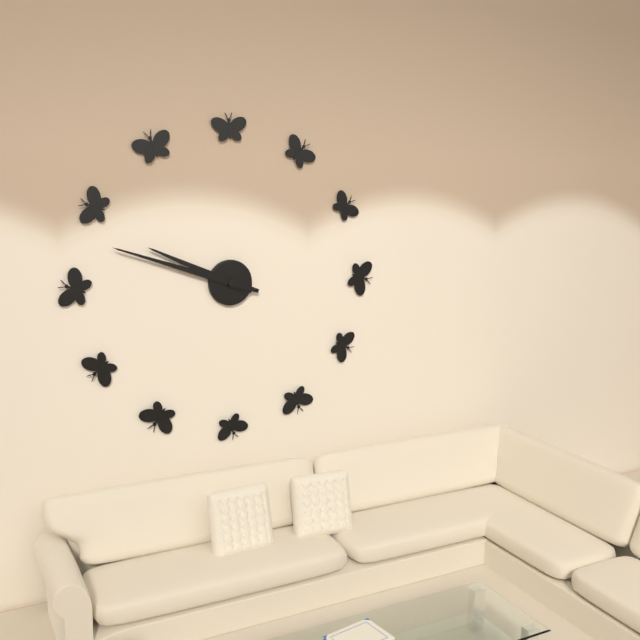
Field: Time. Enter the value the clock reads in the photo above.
9:48
